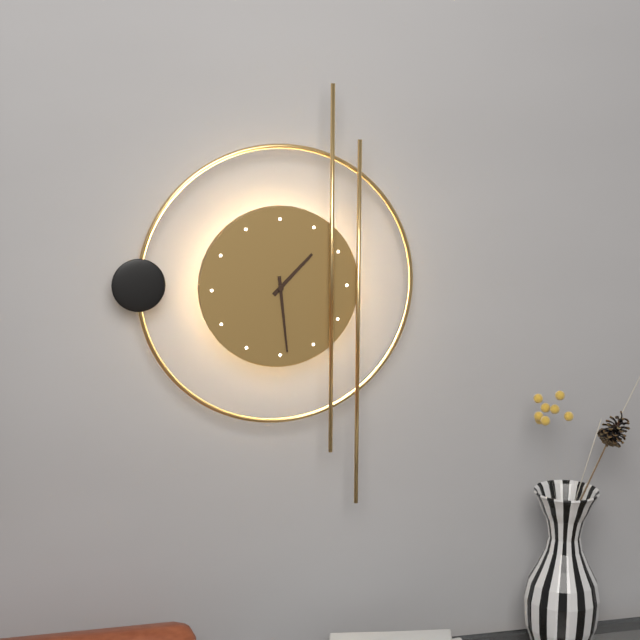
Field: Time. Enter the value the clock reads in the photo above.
1:29
